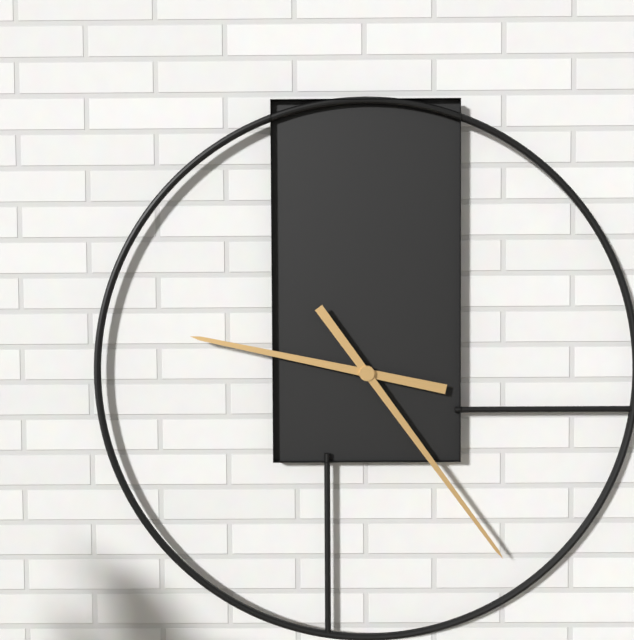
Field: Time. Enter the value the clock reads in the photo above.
9:24
